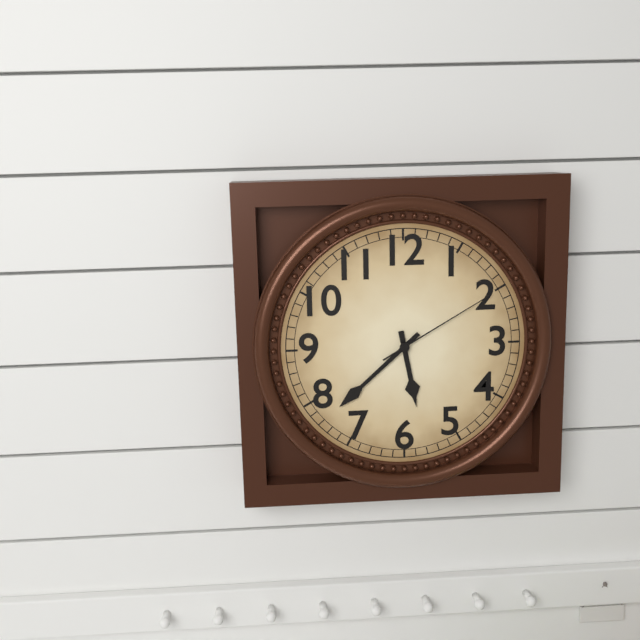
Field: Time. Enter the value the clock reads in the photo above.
5:38:10
